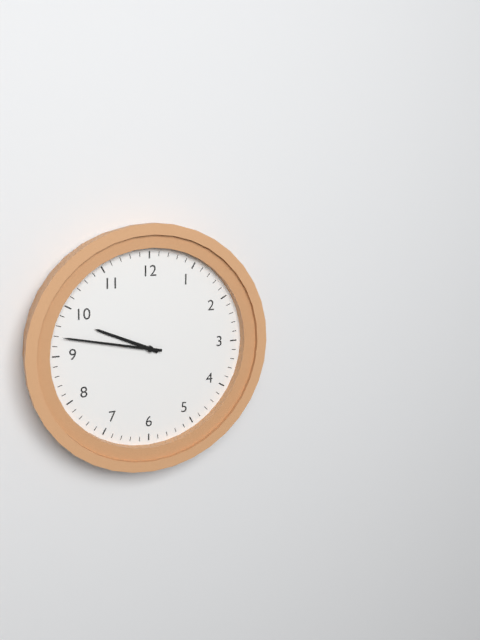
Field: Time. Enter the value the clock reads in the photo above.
9:47
